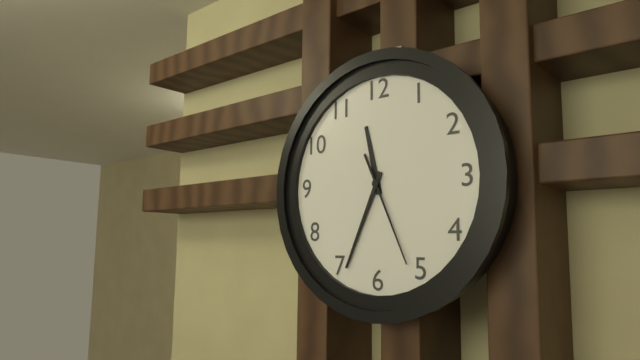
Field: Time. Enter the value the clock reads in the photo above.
11:34:26
